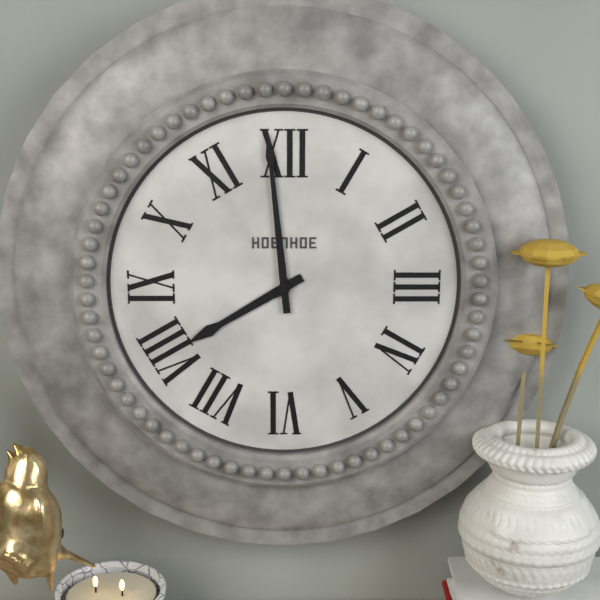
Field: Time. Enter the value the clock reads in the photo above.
7:59
